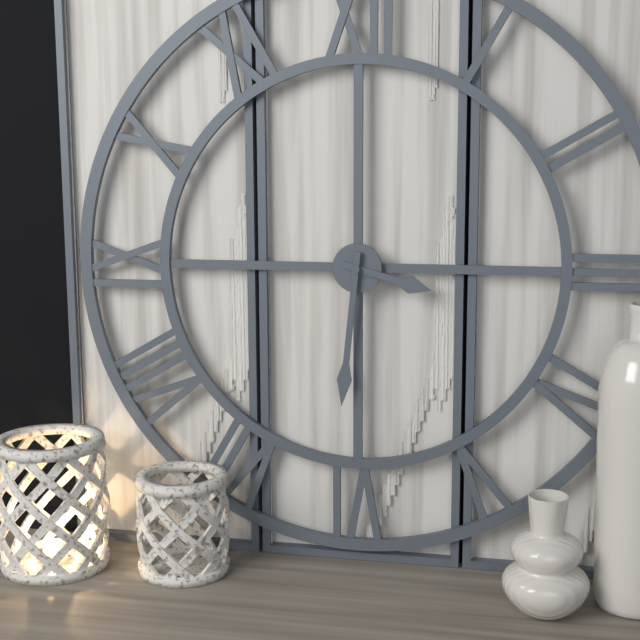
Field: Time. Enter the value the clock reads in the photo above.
3:31
